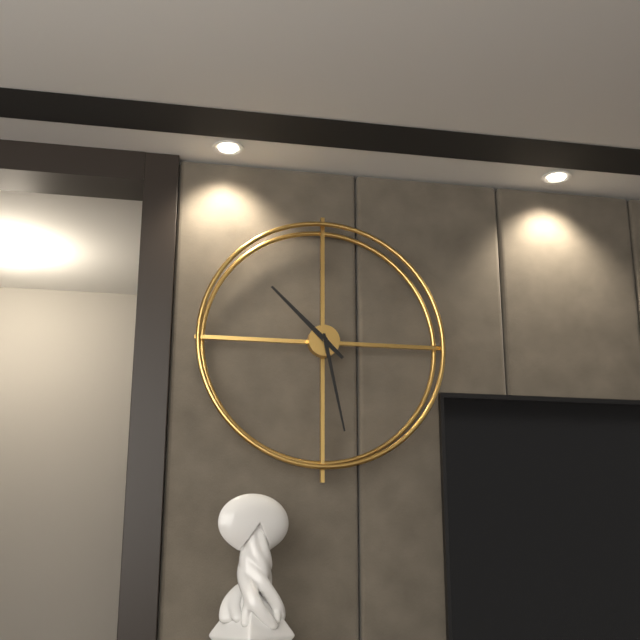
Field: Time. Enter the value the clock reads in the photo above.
10:28
